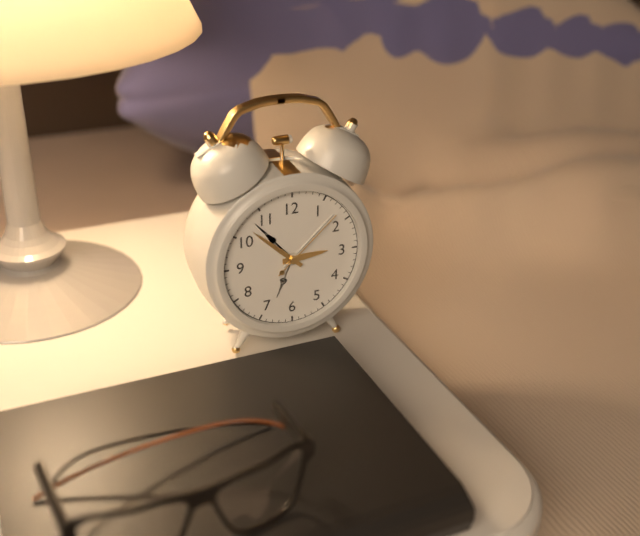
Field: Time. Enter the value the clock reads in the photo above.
2:52:08
